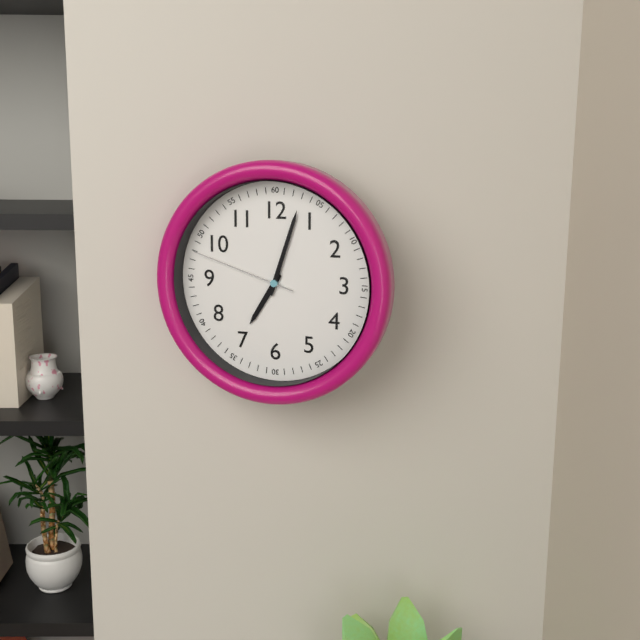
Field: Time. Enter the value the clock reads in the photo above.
7:03:48
